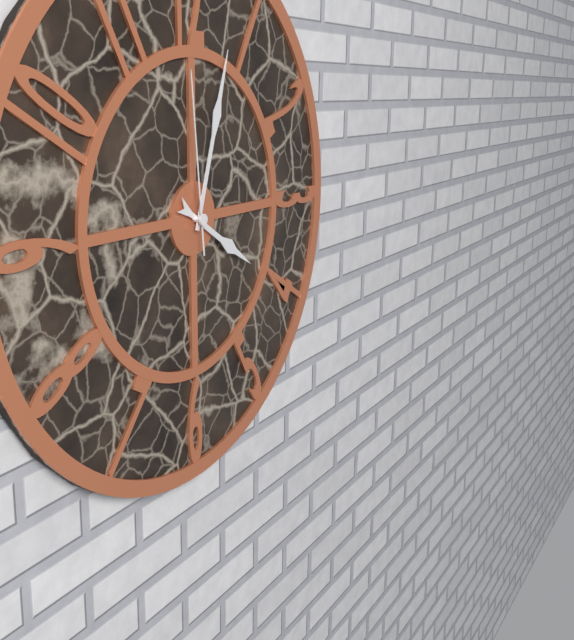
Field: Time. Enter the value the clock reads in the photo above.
4:03:59
